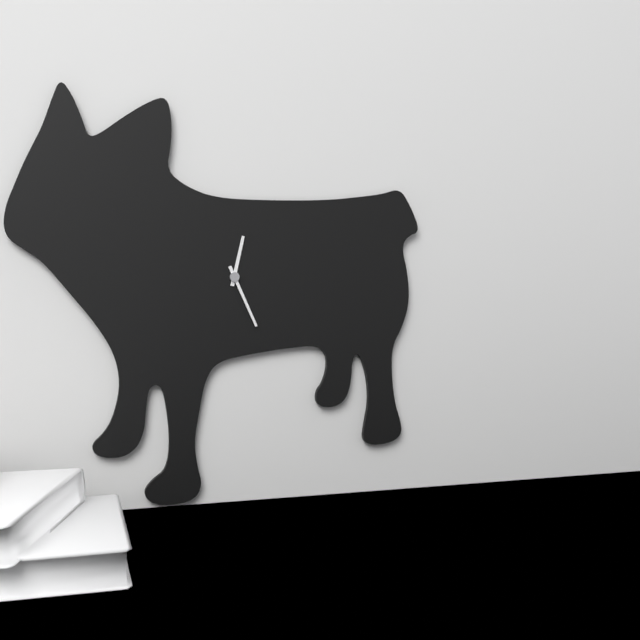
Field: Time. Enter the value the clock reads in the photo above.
12:26
